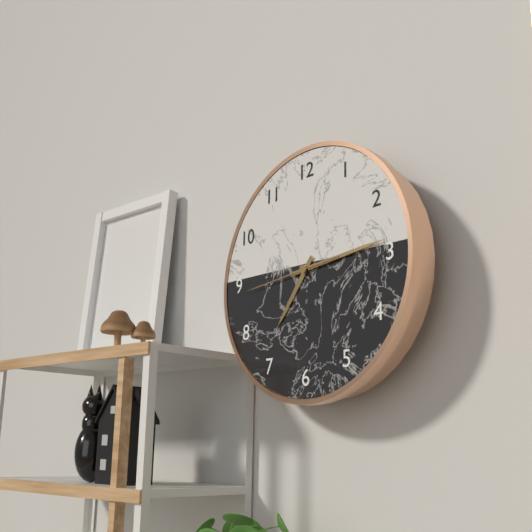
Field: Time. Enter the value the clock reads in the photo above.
7:14:44
